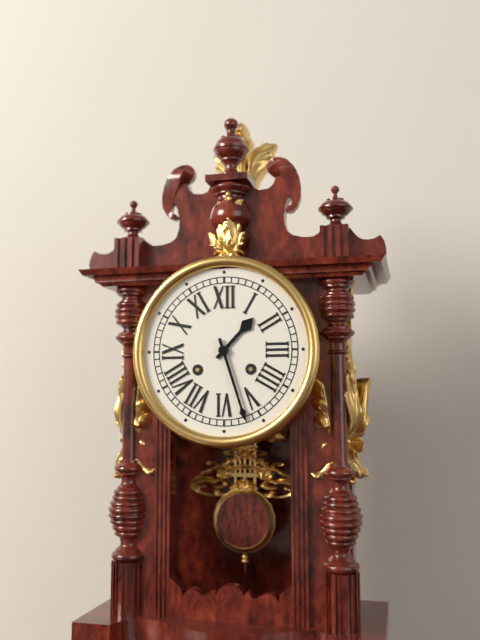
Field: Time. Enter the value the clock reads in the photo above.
1:27
